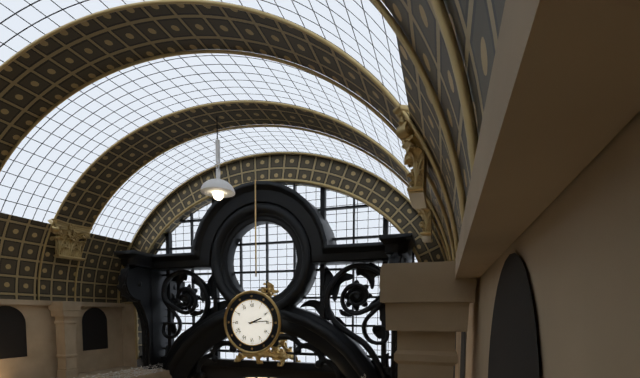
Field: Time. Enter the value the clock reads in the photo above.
2:14
